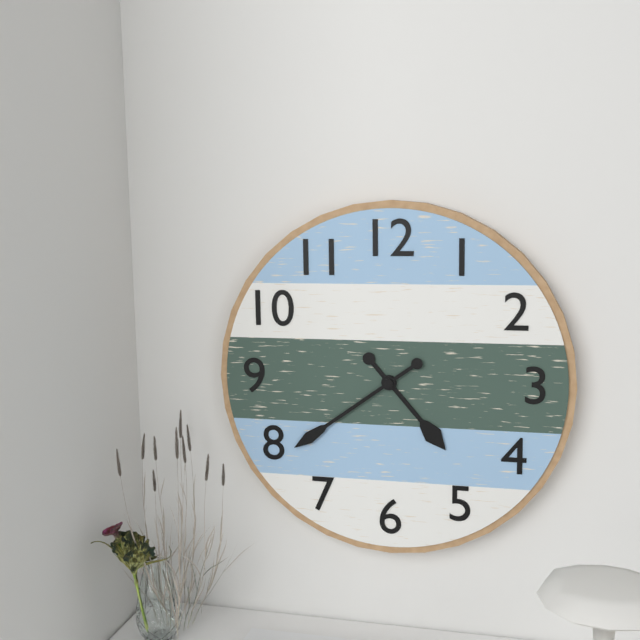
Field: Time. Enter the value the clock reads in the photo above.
4:39
